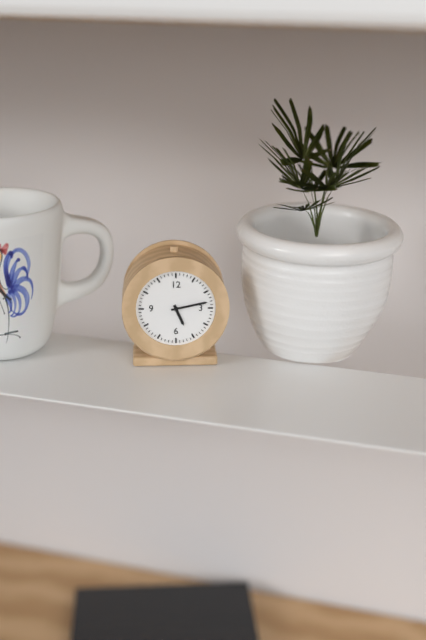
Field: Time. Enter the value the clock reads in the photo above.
5:13
